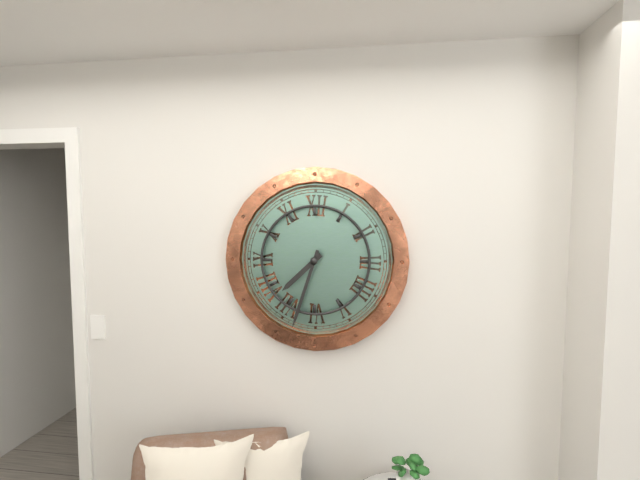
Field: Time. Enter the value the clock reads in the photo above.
7:33
